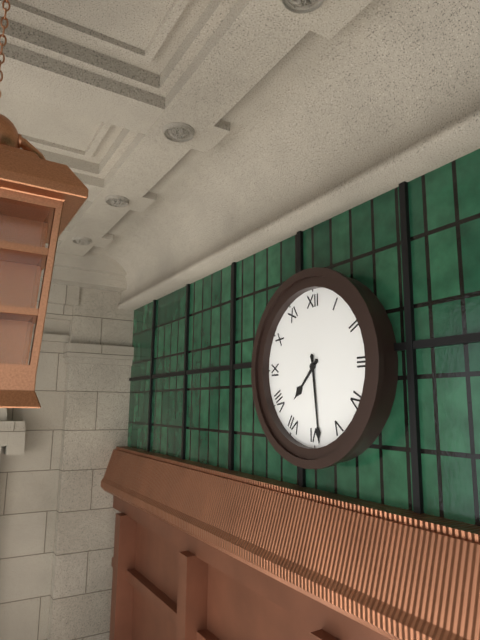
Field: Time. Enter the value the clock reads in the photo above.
7:29
